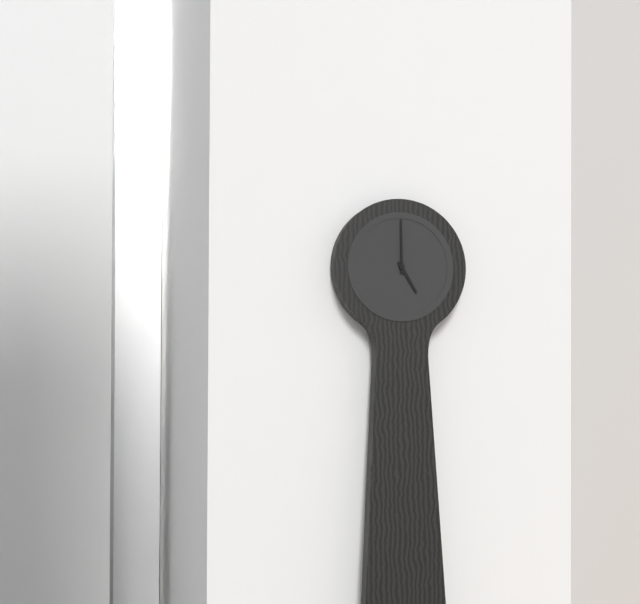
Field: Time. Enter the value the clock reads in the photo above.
5:00
